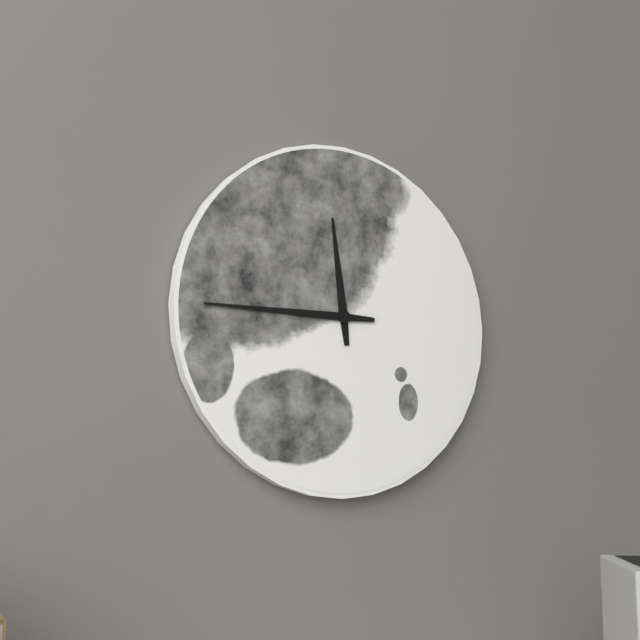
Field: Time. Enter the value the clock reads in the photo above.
11:45
